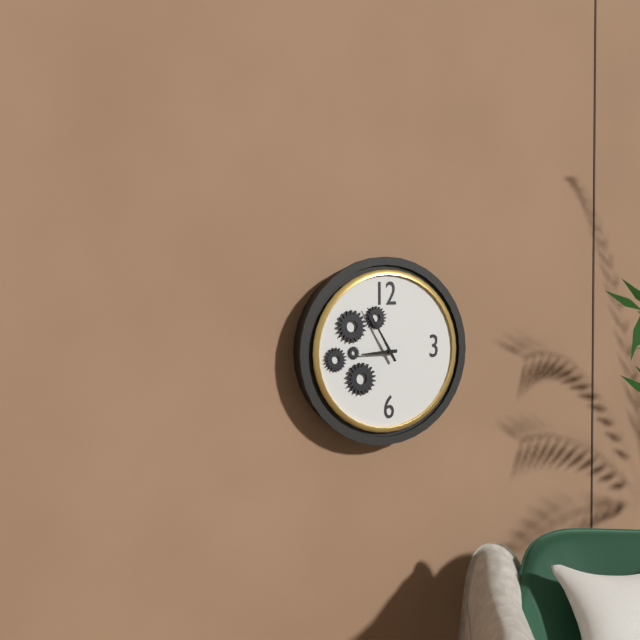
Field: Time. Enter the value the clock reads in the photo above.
8:55
